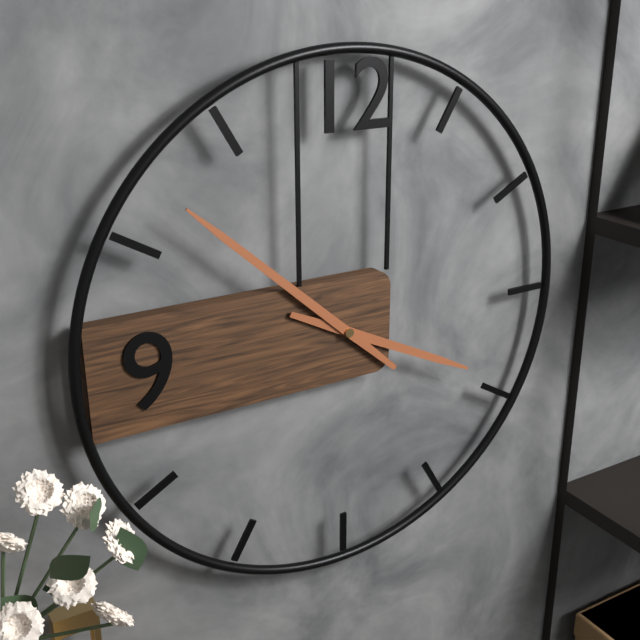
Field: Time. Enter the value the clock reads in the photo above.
3:52
